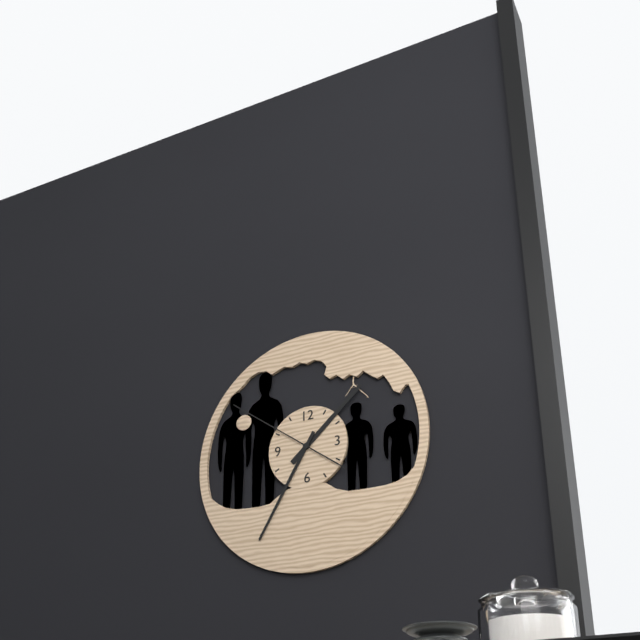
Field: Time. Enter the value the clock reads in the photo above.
1:35:51
